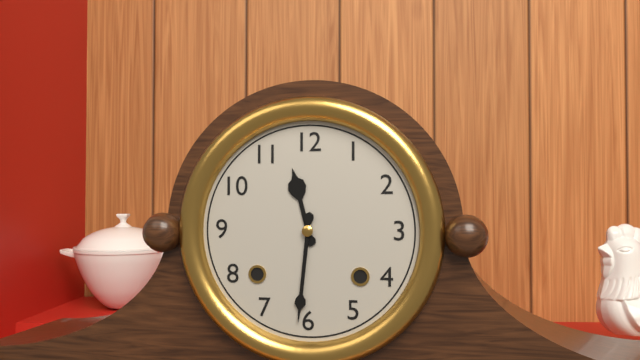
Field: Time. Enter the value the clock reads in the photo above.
11:31
